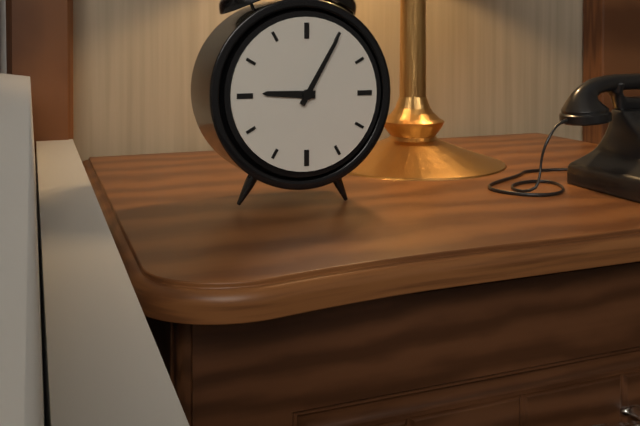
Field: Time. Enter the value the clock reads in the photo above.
9:05
